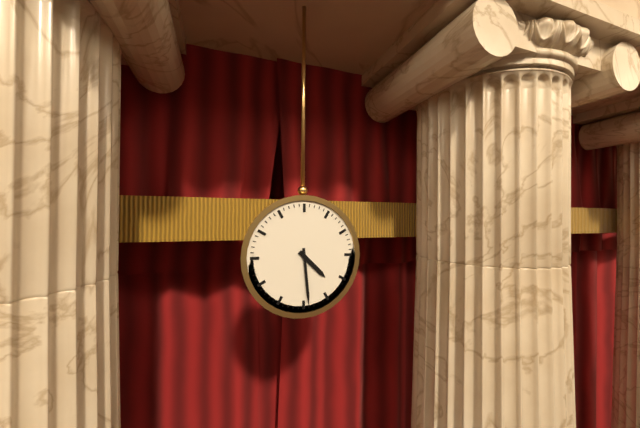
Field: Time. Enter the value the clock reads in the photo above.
4:29
